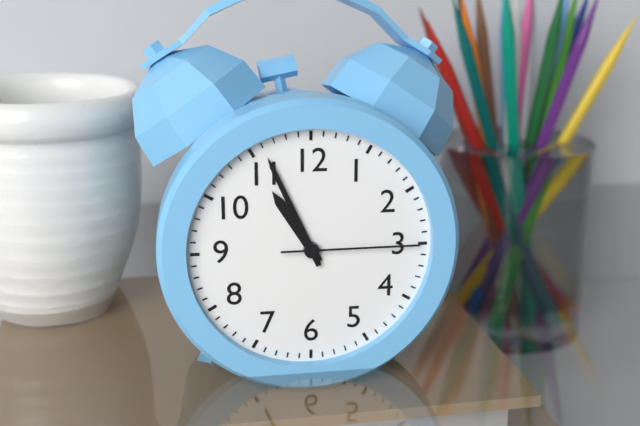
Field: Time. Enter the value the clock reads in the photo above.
10:56:15
